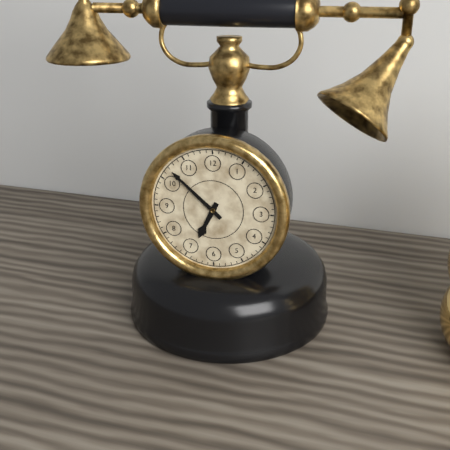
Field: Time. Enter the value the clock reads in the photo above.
6:52
